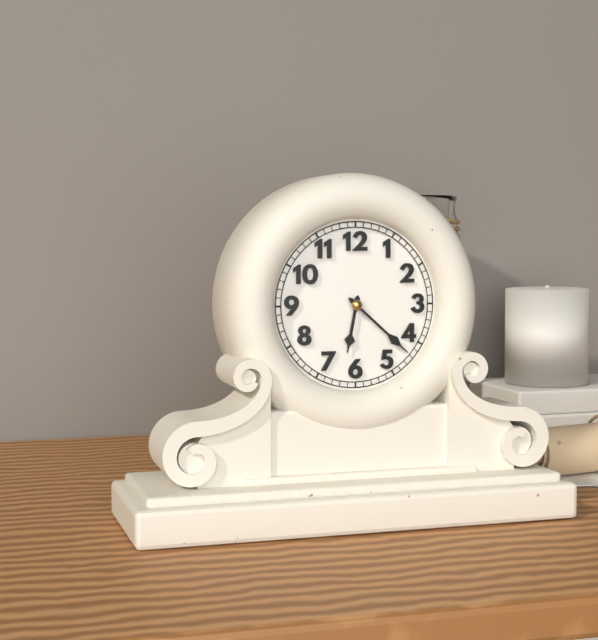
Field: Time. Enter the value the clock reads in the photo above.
6:22
